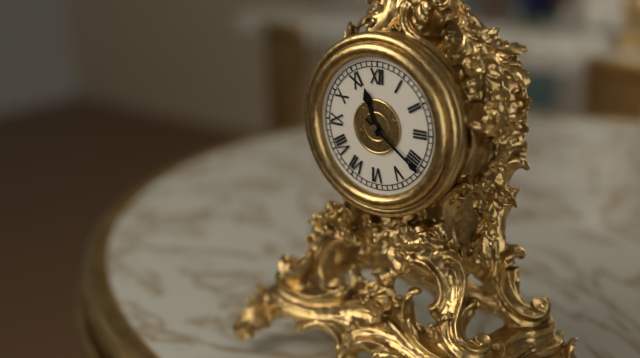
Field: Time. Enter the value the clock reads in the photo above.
11:21
